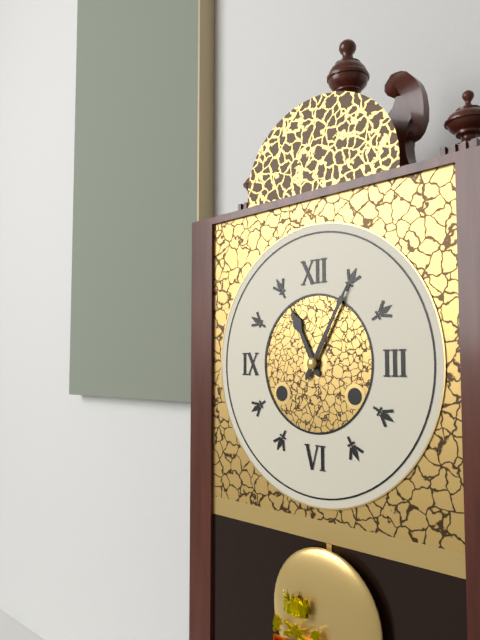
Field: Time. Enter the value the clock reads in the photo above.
11:05
